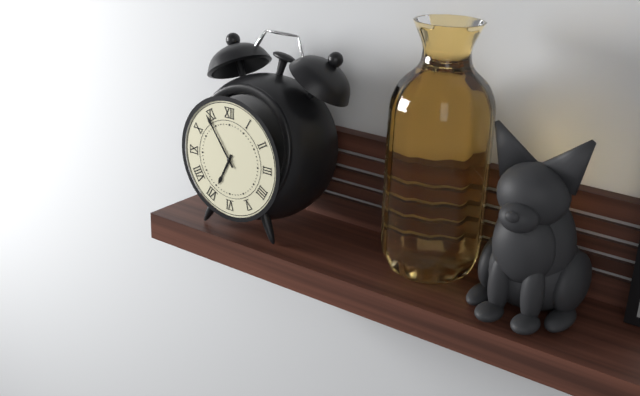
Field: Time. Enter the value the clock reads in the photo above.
6:54
